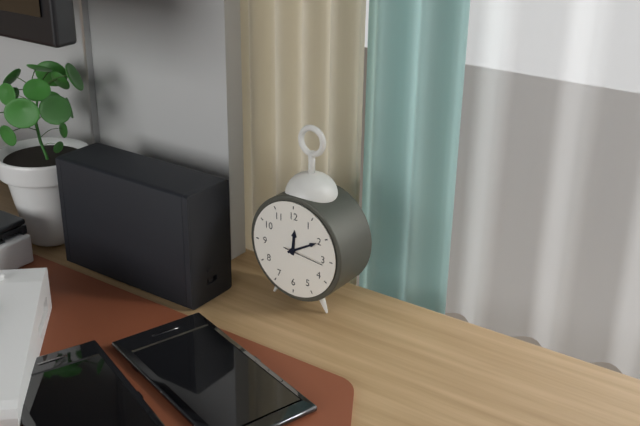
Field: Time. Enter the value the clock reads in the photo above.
12:10
